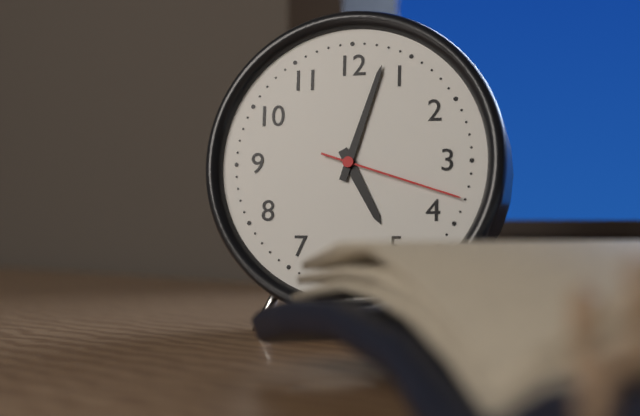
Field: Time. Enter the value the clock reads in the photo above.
5:03:18
